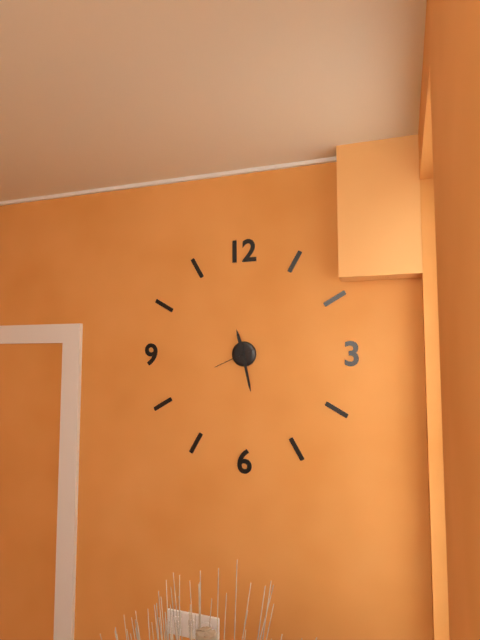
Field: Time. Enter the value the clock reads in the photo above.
11:28
